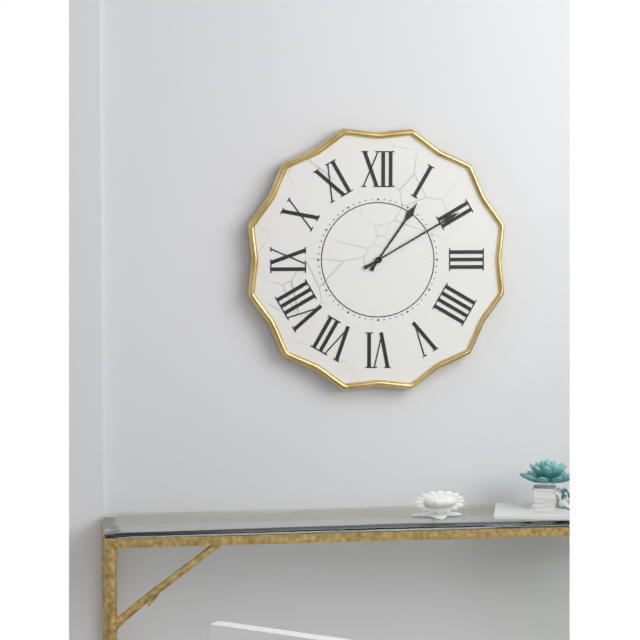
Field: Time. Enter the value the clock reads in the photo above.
1:10
